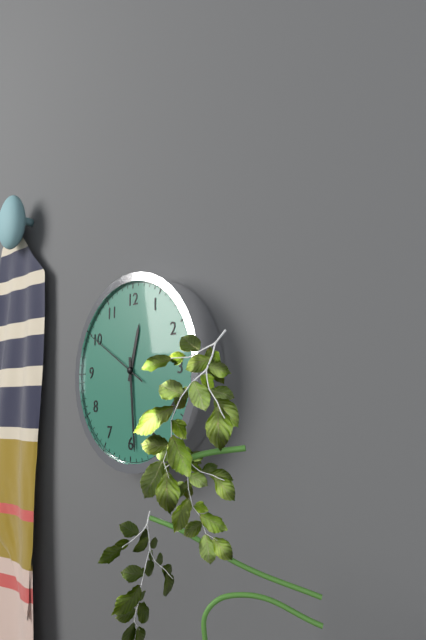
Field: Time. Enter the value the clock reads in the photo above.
12:29:50
